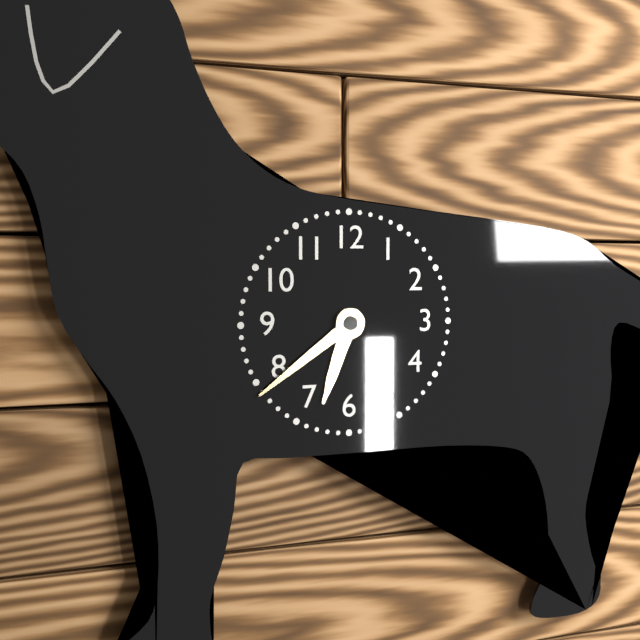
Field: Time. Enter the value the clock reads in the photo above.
6:39
